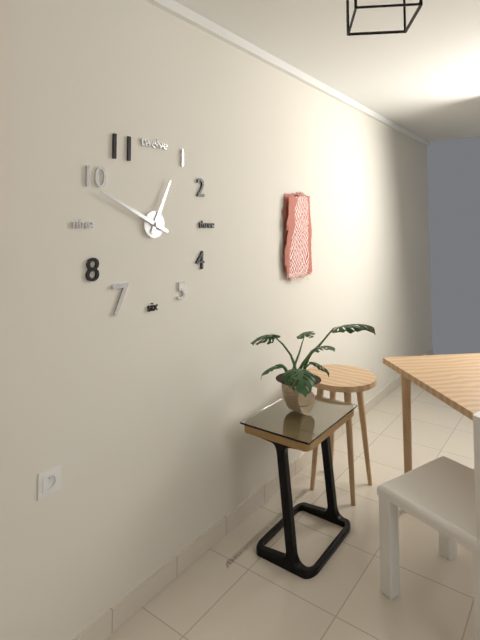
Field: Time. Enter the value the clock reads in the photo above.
12:49
